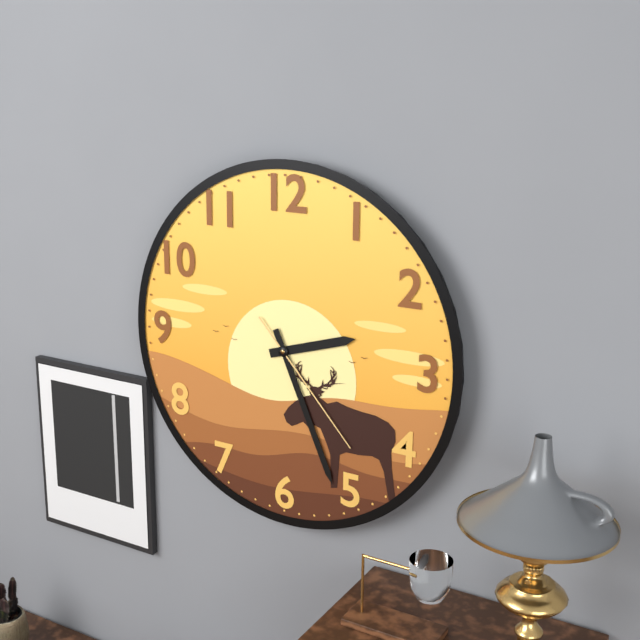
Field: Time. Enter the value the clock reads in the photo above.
2:26:23
